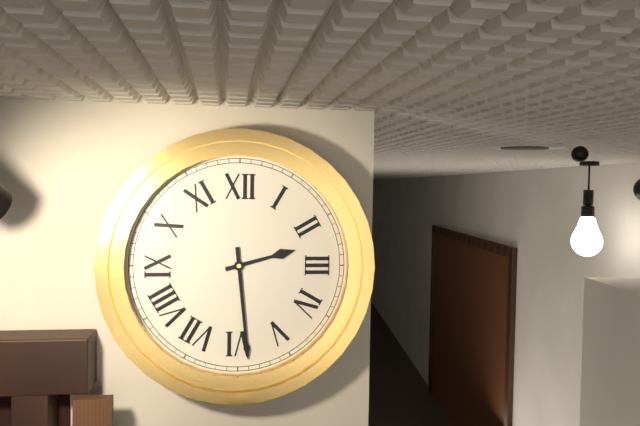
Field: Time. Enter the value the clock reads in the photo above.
2:29
